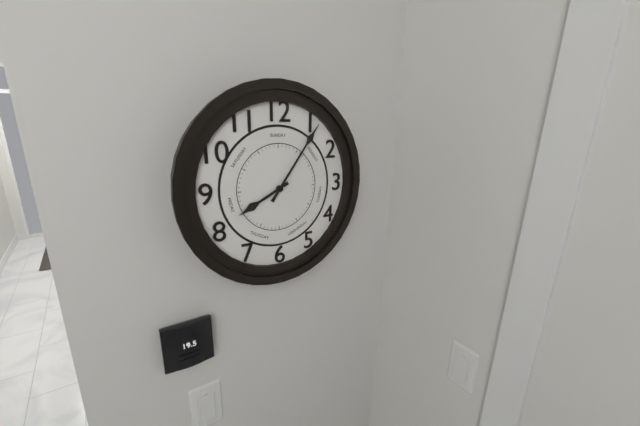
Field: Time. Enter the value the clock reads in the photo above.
8:06
